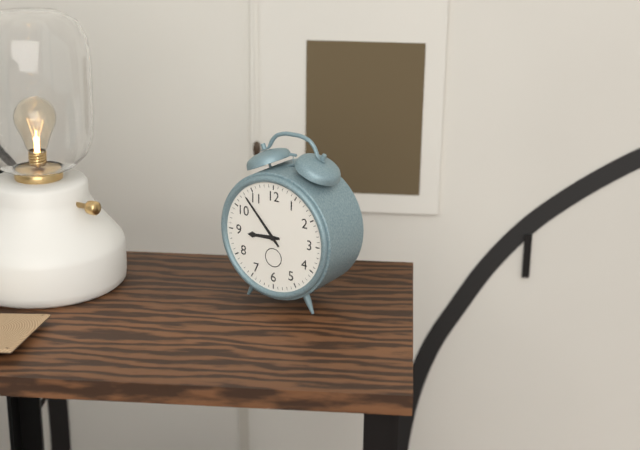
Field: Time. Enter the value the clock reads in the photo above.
8:53
